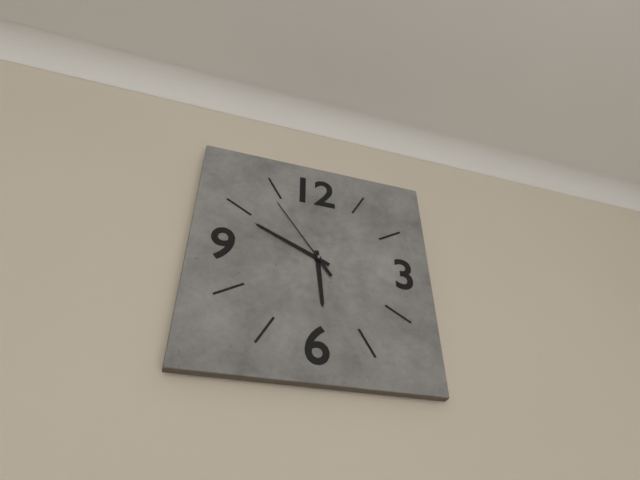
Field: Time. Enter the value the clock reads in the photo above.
5:49:54
